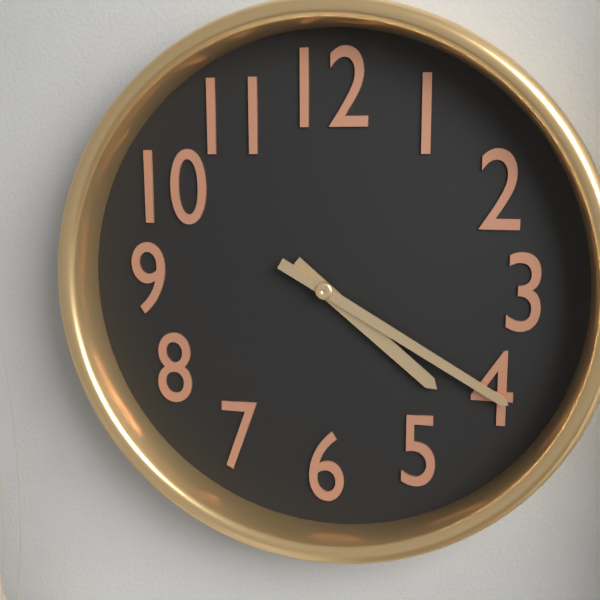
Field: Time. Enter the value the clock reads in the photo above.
4:20
